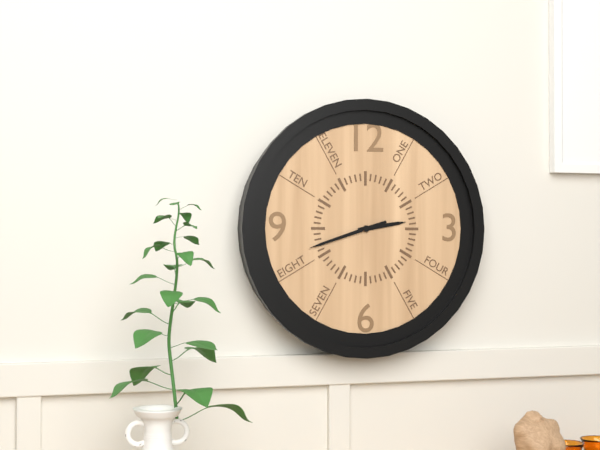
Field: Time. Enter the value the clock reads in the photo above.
2:42
